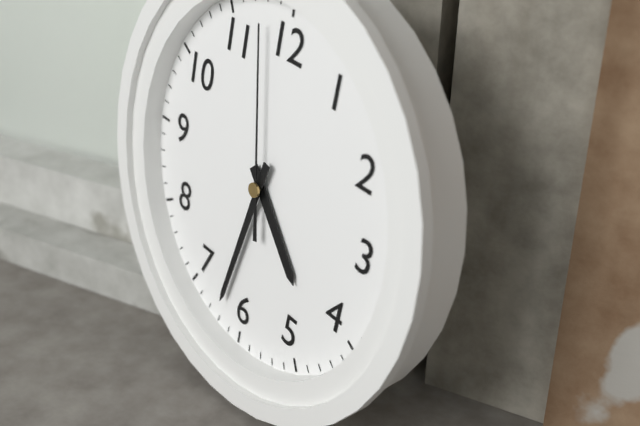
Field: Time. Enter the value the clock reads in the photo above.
4:32:58
